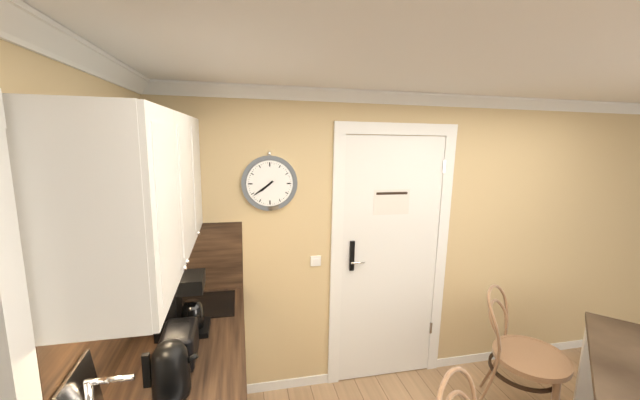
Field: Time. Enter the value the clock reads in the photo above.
7:39
